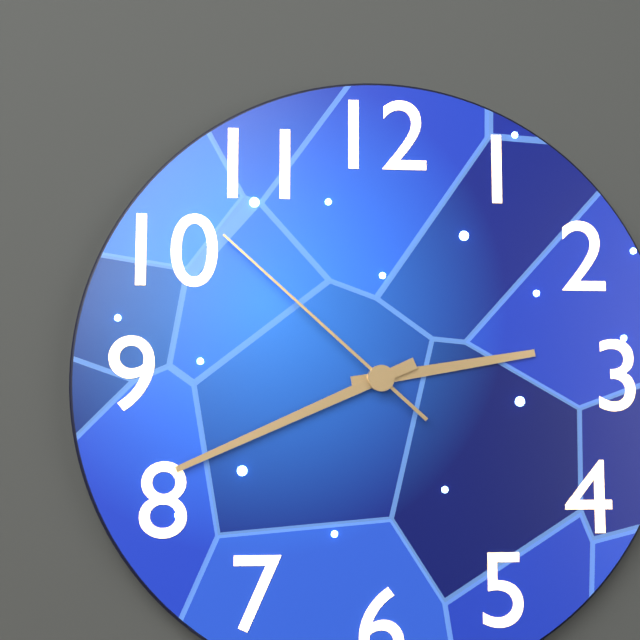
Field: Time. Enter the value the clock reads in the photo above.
2:41:52
